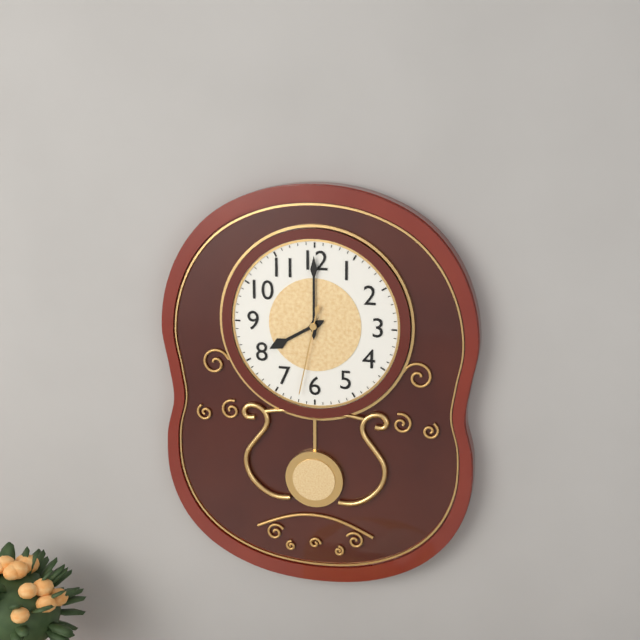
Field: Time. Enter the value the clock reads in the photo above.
8:00:32
